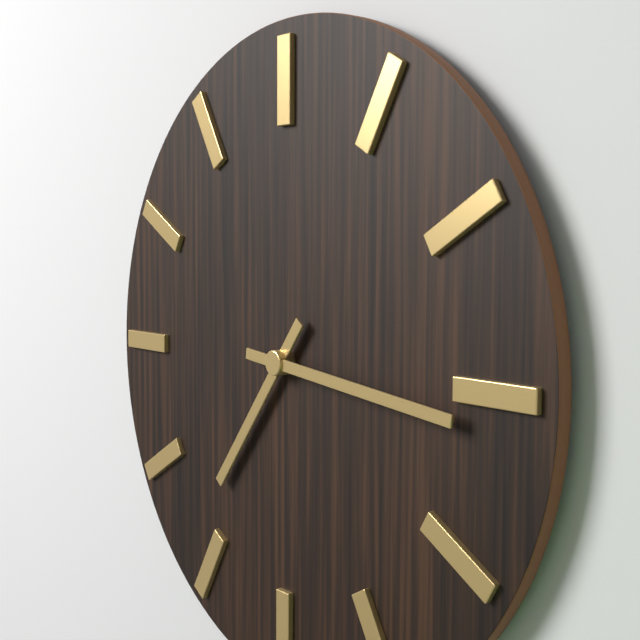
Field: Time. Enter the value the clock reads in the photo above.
7:16
